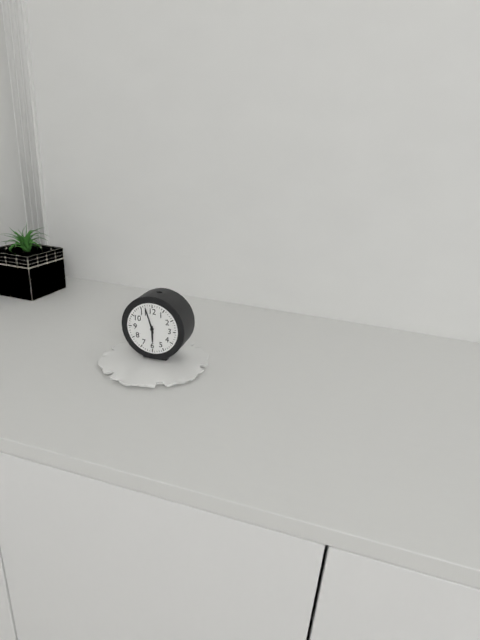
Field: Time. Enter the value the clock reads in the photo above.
5:57
